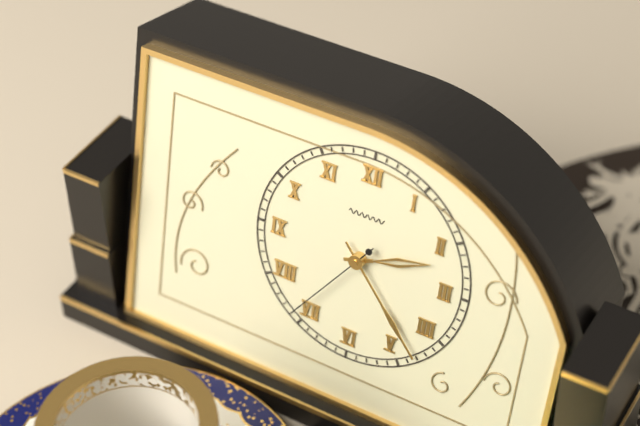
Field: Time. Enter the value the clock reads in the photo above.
2:23:36
